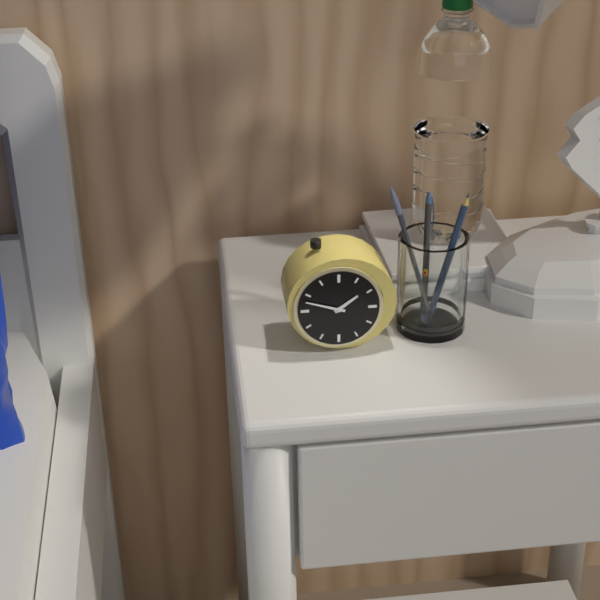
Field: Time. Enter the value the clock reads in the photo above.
1:48
